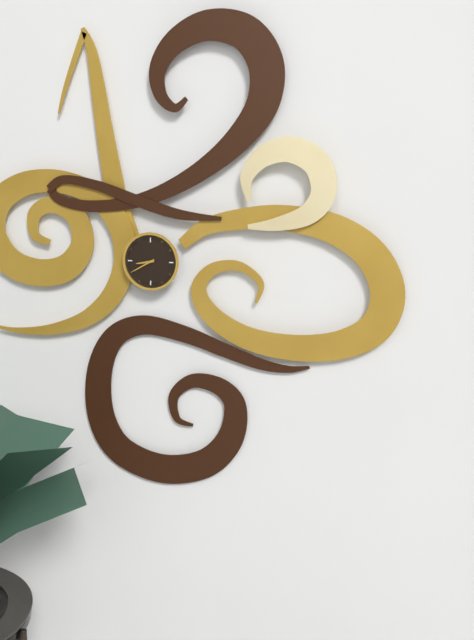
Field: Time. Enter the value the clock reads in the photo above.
8:40
